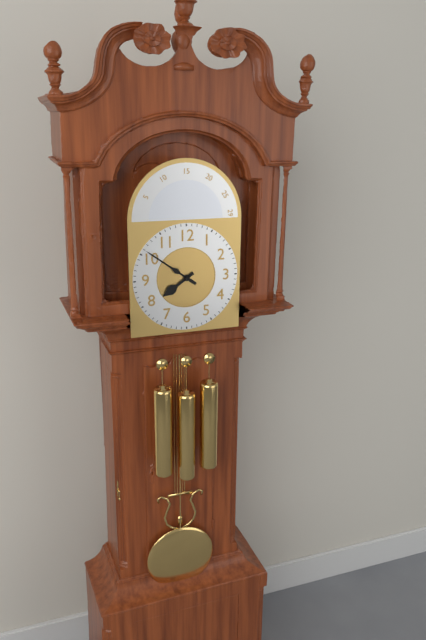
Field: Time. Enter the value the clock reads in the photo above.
7:51
